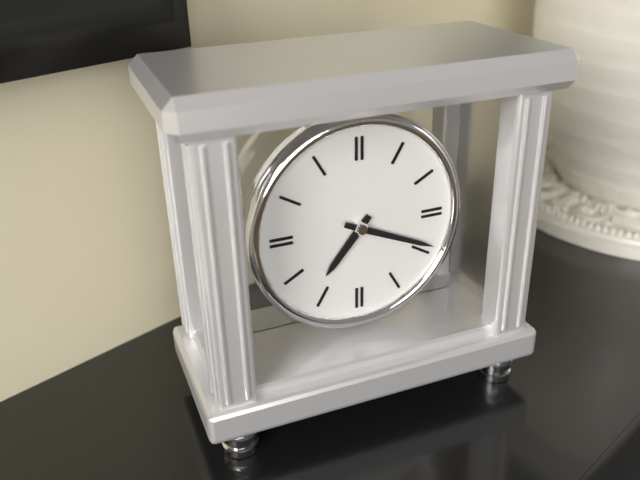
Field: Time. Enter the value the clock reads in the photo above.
7:19
